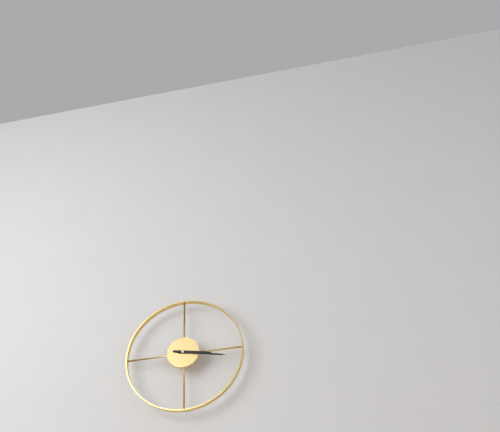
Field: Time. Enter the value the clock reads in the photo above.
3:17
